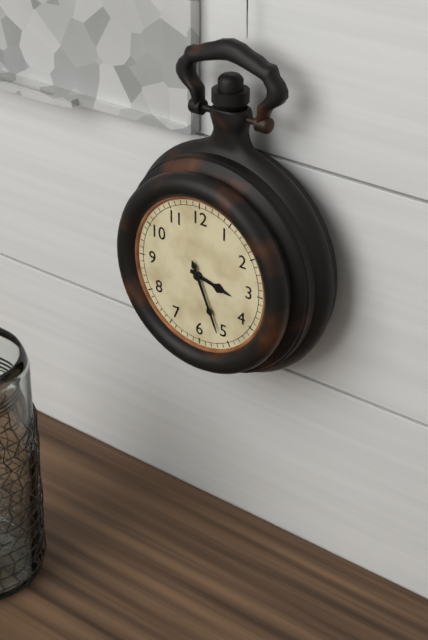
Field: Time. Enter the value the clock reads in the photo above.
3:26
